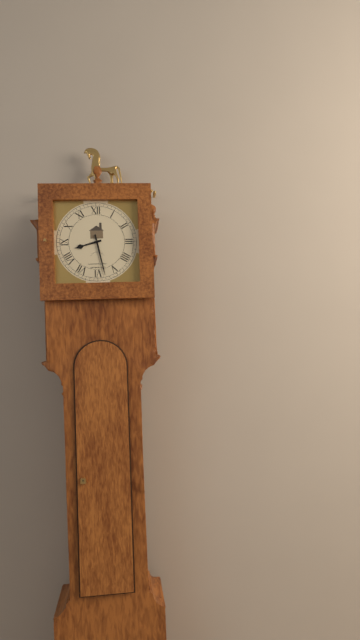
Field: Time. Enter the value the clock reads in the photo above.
8:28
